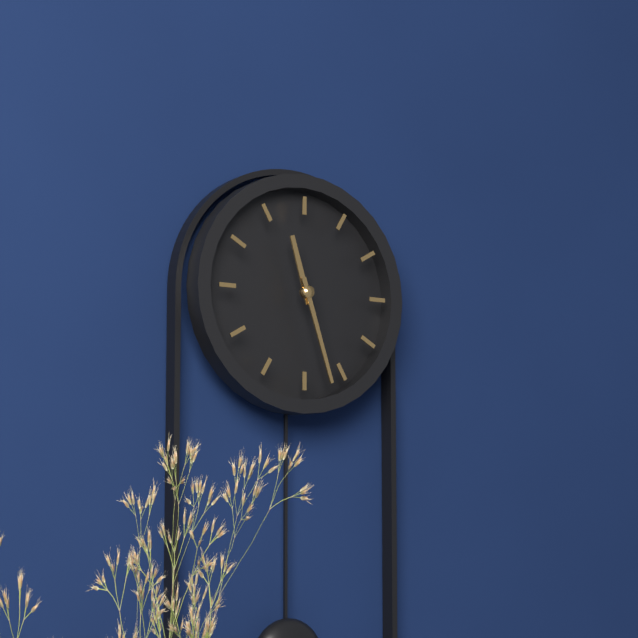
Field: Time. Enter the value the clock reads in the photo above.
11:27
